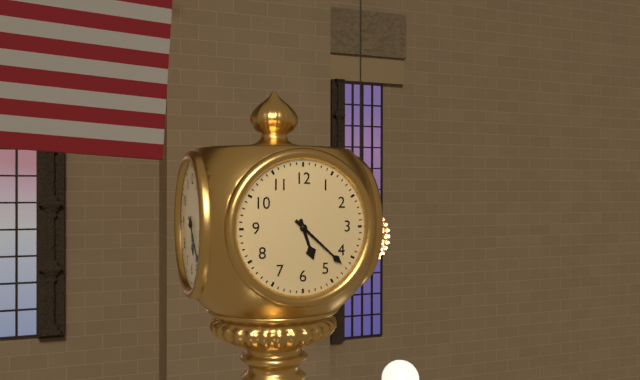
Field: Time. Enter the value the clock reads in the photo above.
5:22
